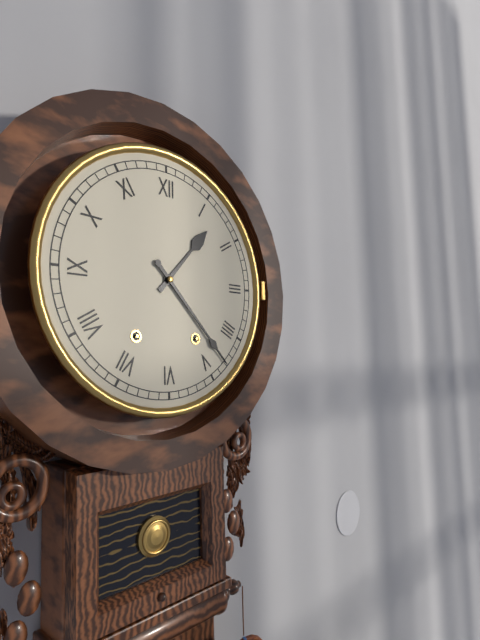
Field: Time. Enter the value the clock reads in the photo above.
1:23
